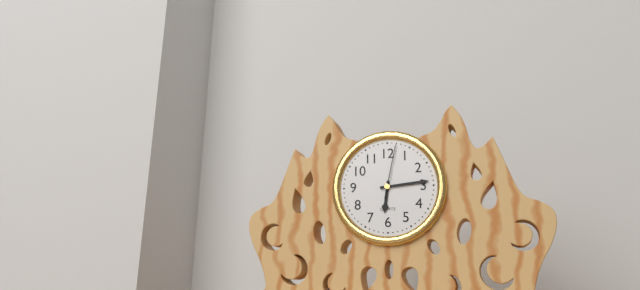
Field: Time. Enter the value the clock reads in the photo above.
6:14:02
